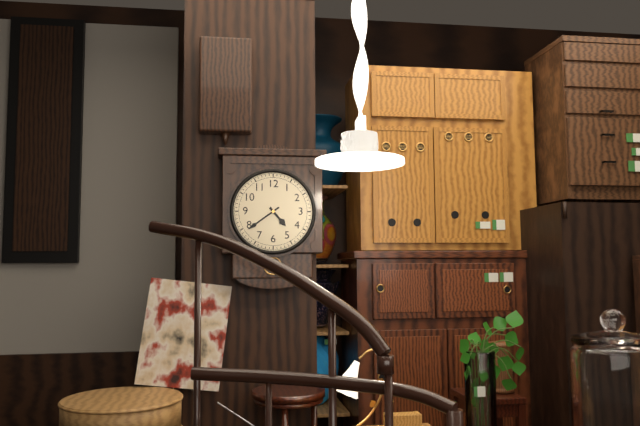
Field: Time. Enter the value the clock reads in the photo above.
4:39
